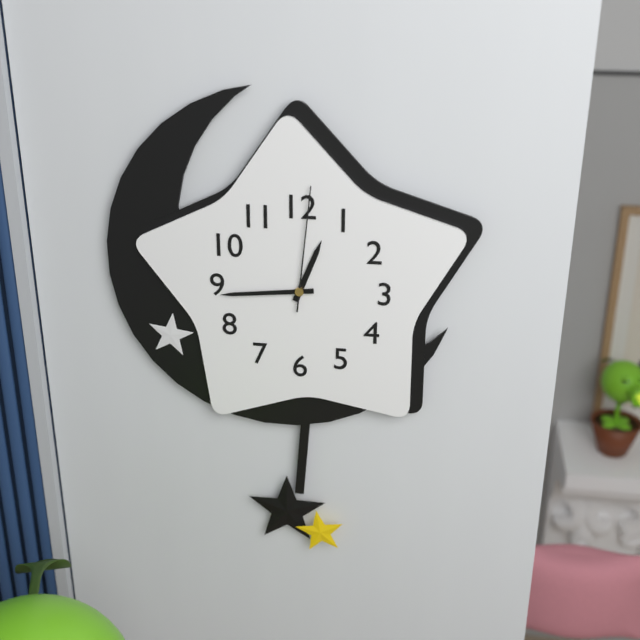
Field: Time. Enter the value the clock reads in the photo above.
12:44:01
